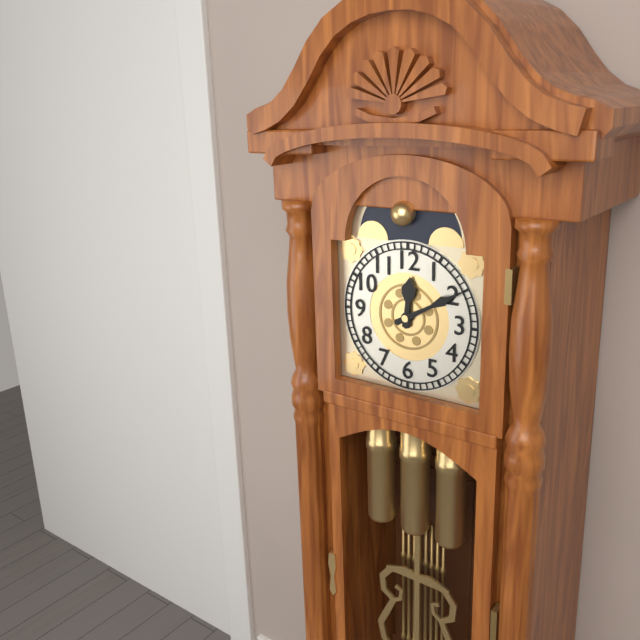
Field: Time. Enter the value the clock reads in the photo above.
12:10
